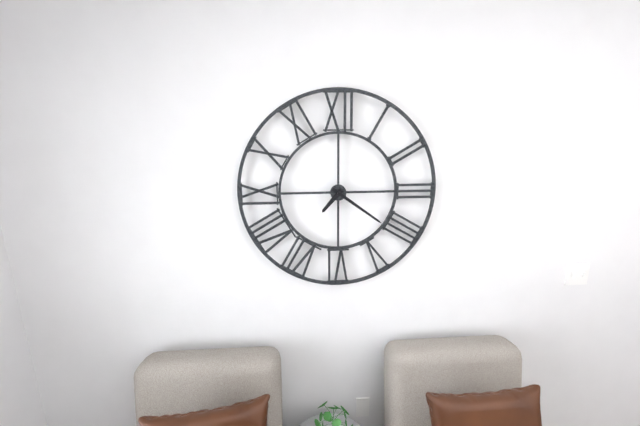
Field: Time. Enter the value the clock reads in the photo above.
7:21
